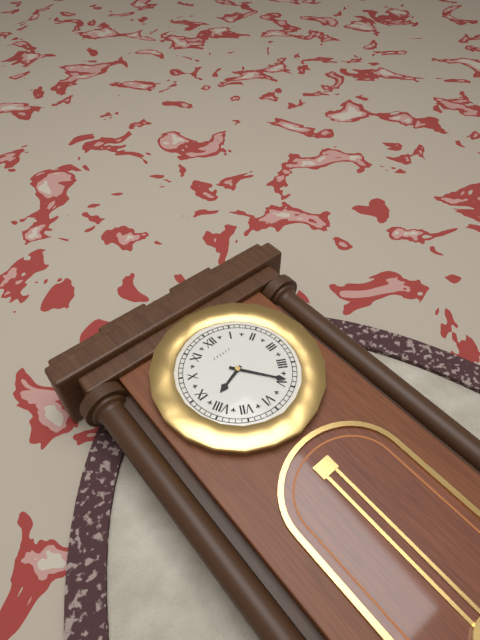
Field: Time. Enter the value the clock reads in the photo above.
8:24
